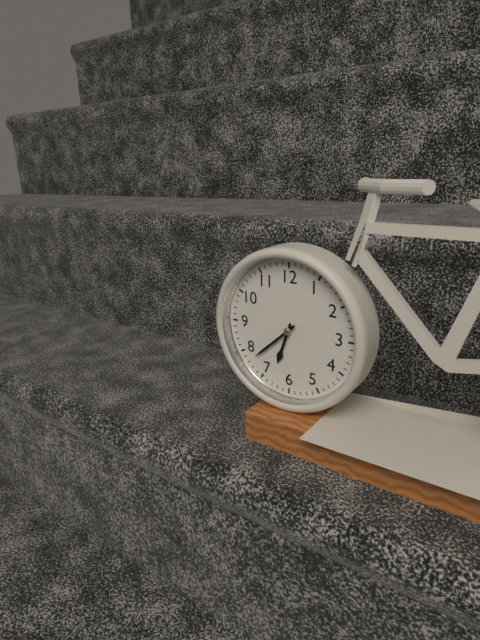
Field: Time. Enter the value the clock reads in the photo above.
6:38
